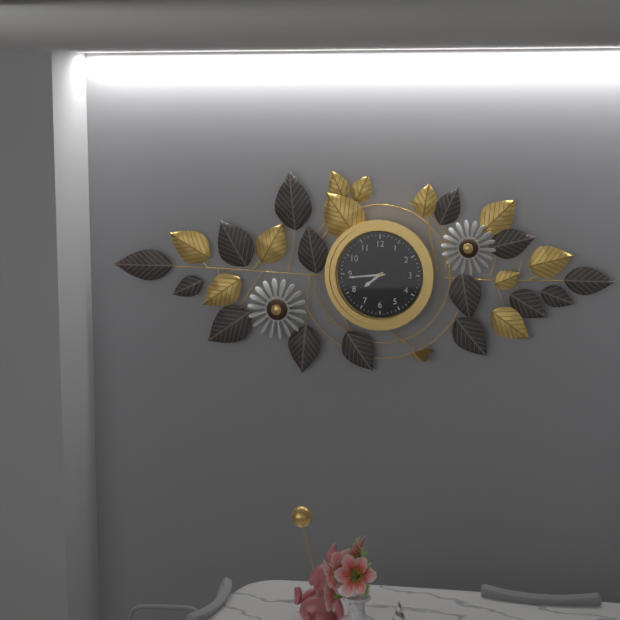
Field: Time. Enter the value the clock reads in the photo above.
7:44
